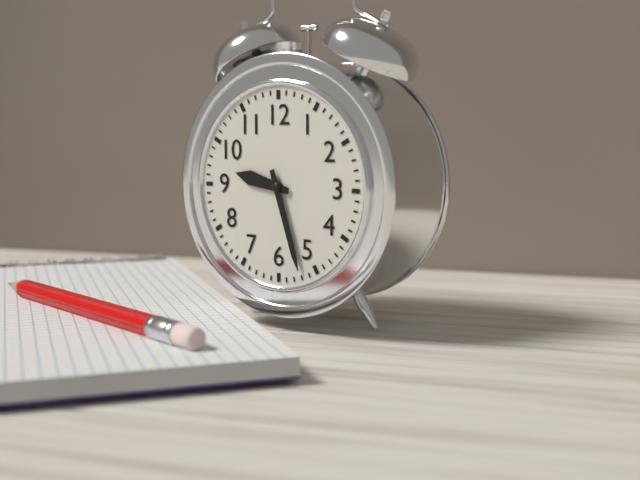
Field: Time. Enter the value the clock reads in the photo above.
9:27
